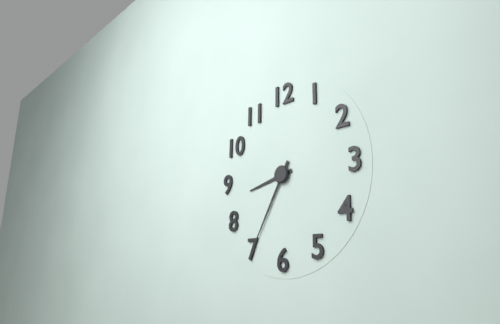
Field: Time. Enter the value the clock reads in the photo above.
8:35
